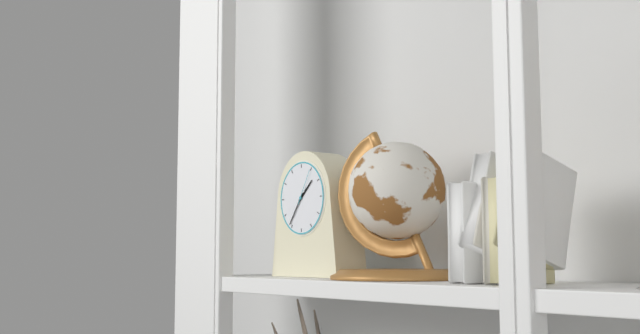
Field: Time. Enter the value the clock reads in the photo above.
1:36
